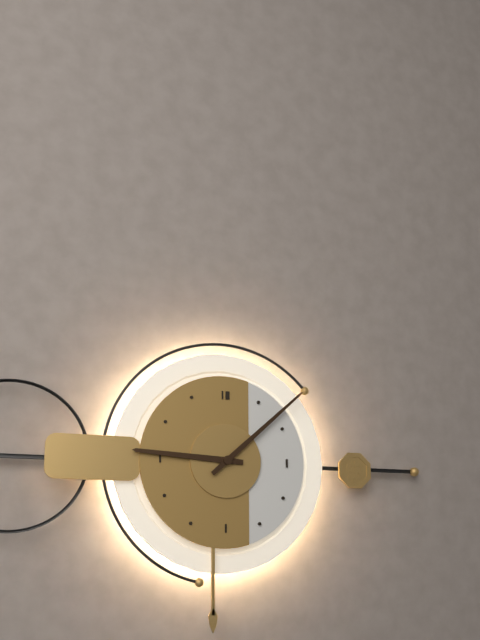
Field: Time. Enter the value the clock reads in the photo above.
9:08
